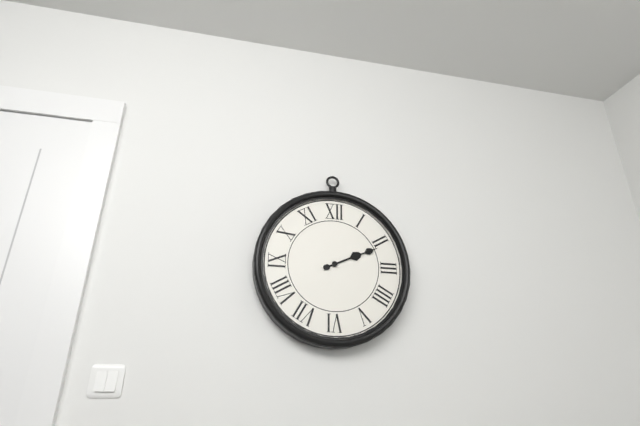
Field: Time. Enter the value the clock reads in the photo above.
2:11
